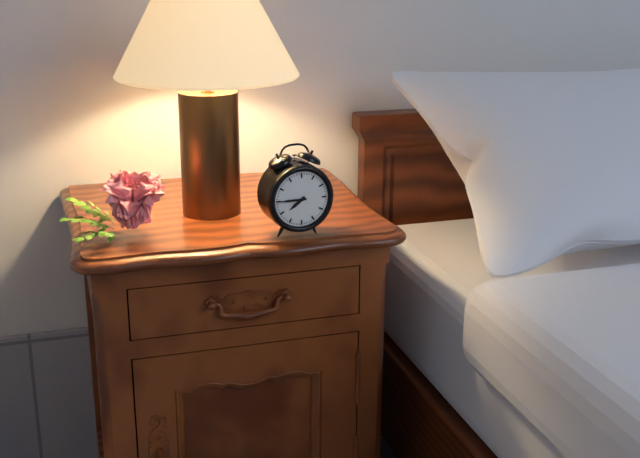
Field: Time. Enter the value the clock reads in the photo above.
7:45
